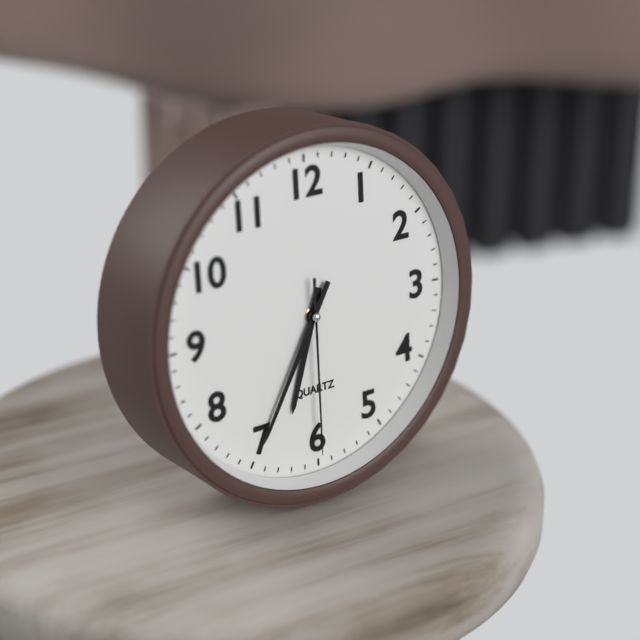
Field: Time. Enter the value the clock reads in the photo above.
6:35:30
